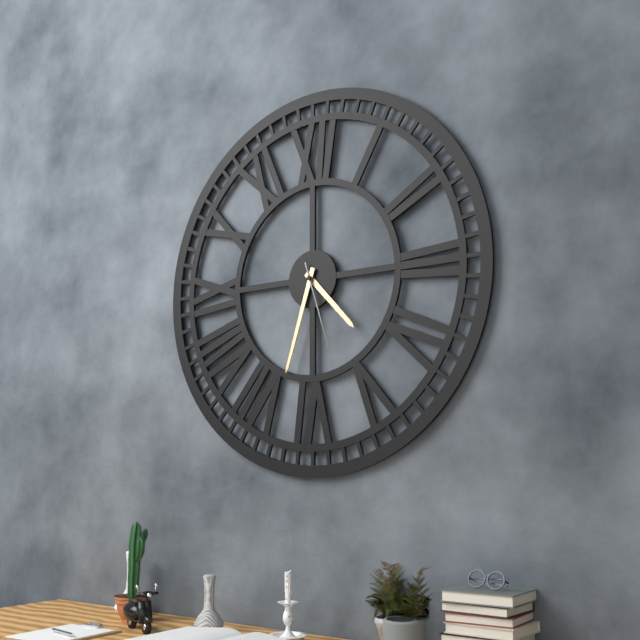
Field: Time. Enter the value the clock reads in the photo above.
4:33:27
